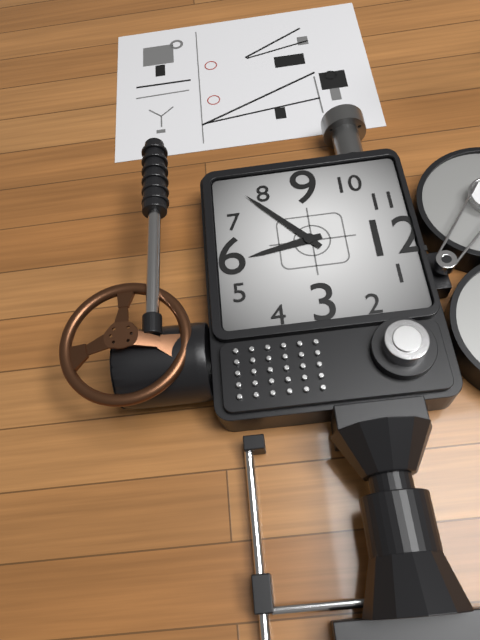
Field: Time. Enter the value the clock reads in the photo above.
5:38
